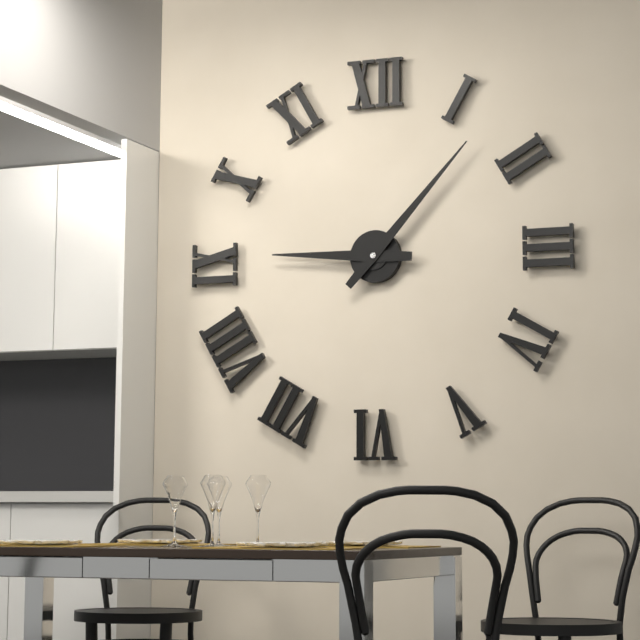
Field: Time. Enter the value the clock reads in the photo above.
9:07
